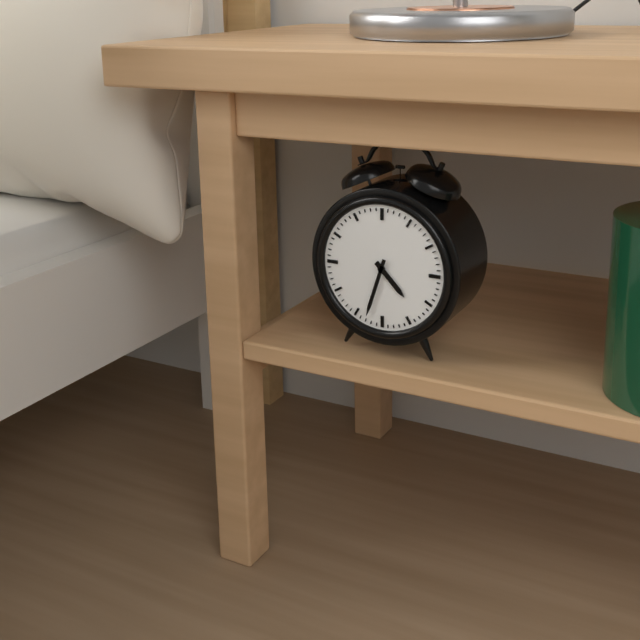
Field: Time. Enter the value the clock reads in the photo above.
4:33
